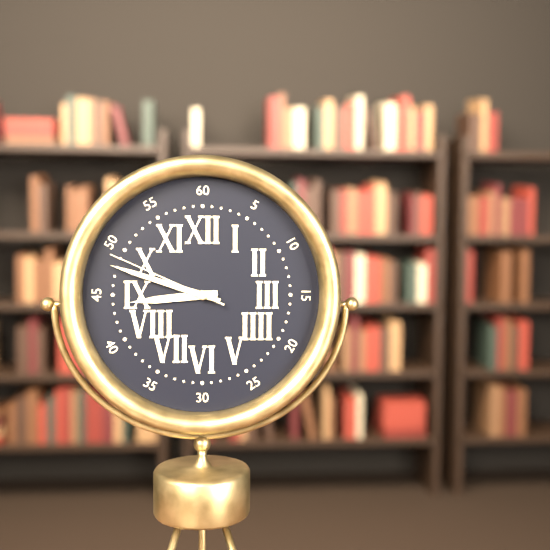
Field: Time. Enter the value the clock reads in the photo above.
8:48:49
